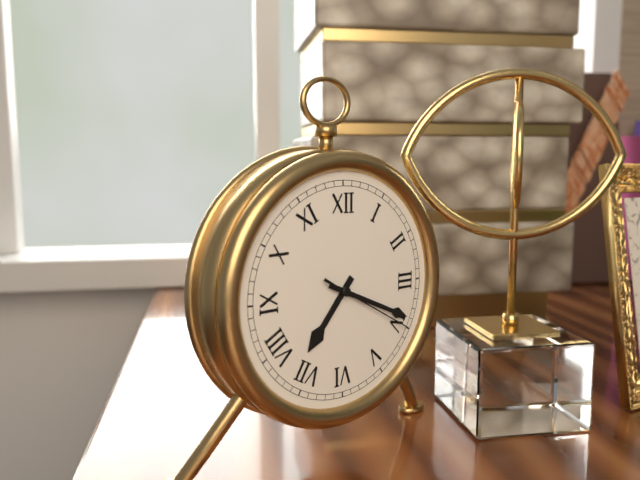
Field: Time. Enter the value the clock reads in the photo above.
7:19:20
